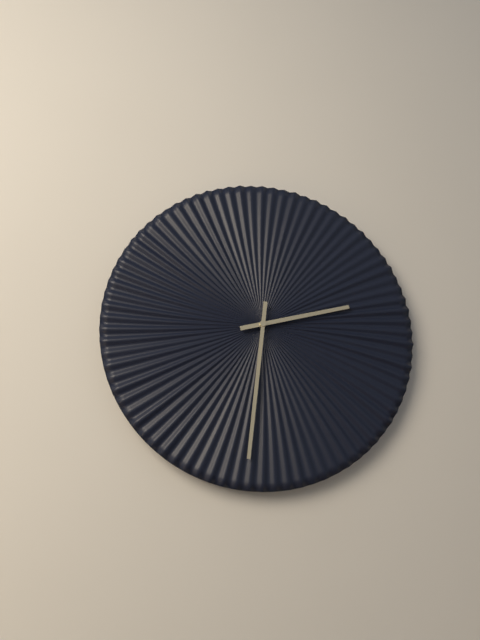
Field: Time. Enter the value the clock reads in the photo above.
2:31
